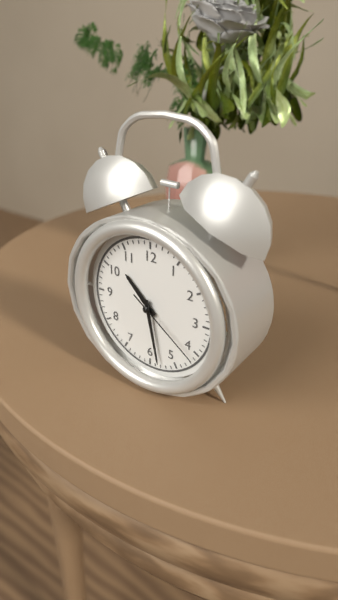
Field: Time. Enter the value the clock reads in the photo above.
10:28:21
